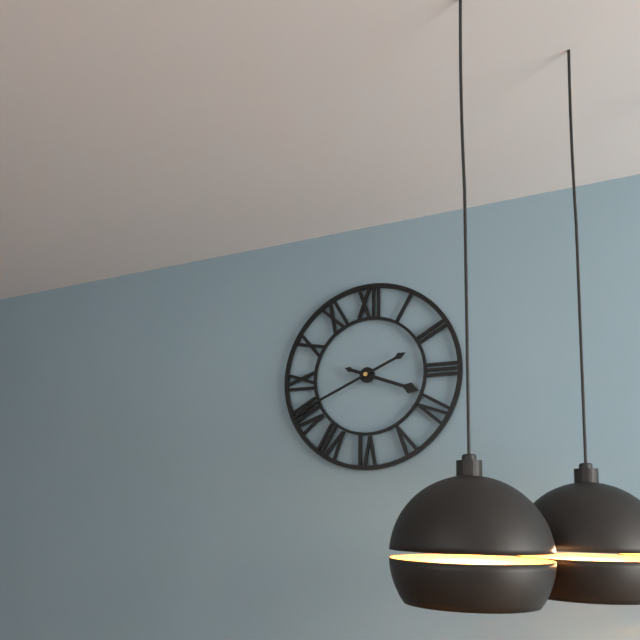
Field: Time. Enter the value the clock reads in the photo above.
3:41
